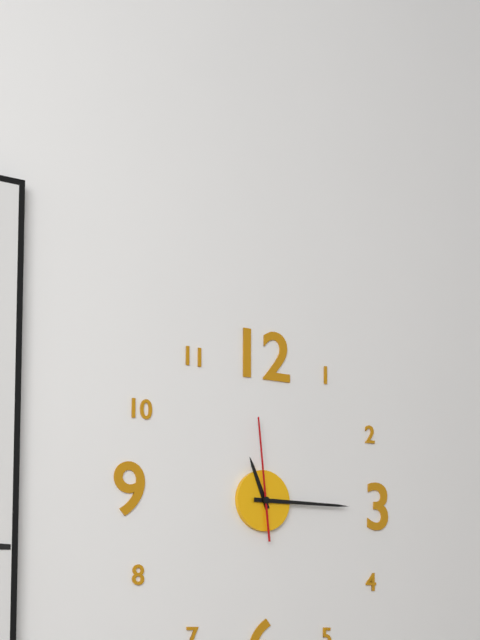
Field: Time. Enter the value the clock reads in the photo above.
11:15:59
